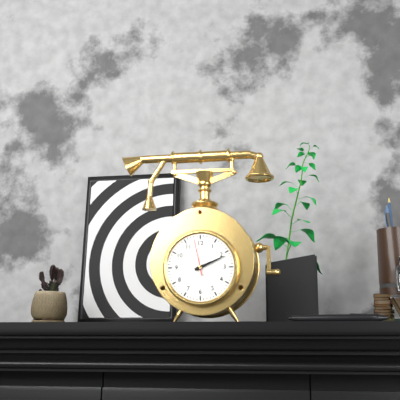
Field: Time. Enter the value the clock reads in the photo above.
2:11
